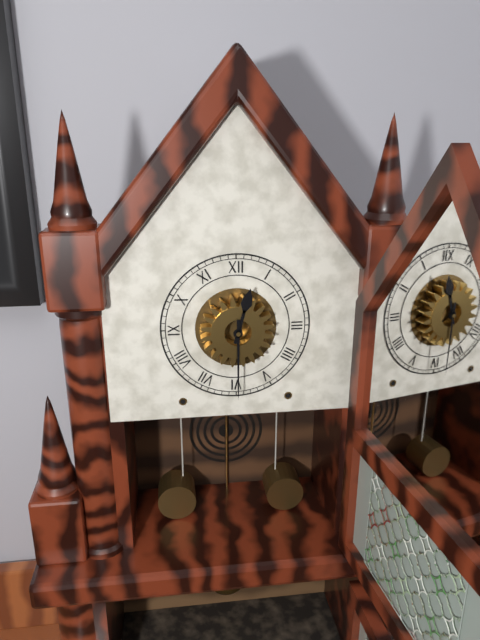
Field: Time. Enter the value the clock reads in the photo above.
12:30
